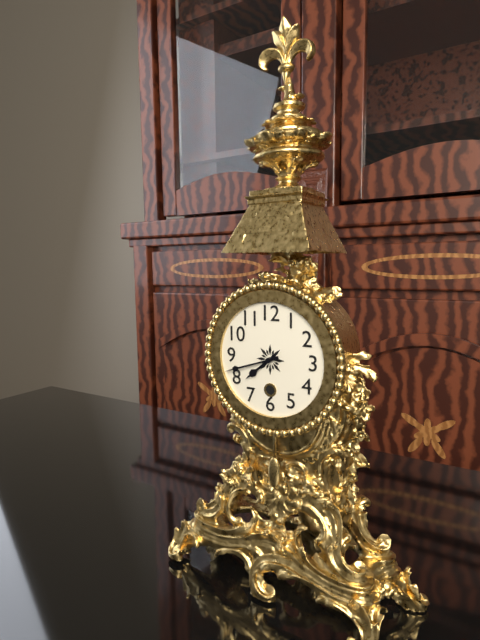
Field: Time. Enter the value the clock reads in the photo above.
7:42
